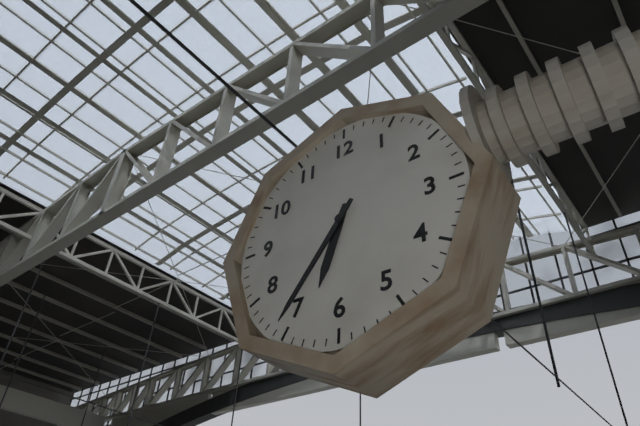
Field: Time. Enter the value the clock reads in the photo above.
6:36
